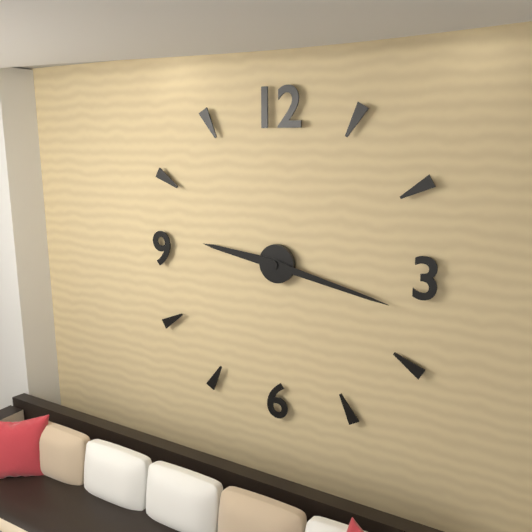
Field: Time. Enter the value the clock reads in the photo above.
9:17
